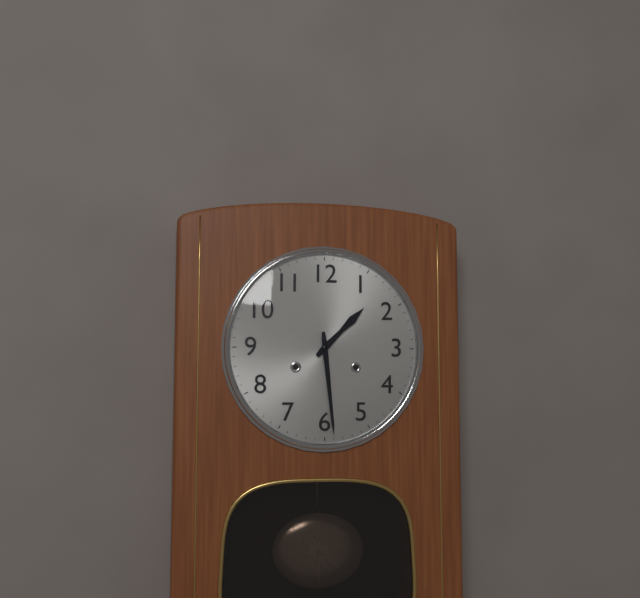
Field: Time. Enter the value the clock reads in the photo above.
1:29
